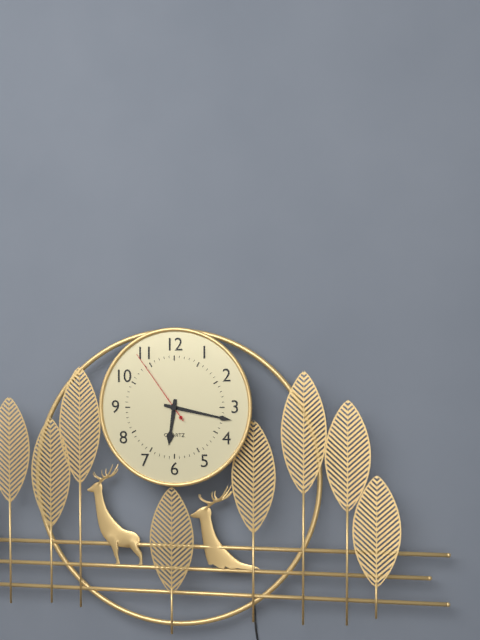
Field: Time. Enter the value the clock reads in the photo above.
6:17:54
